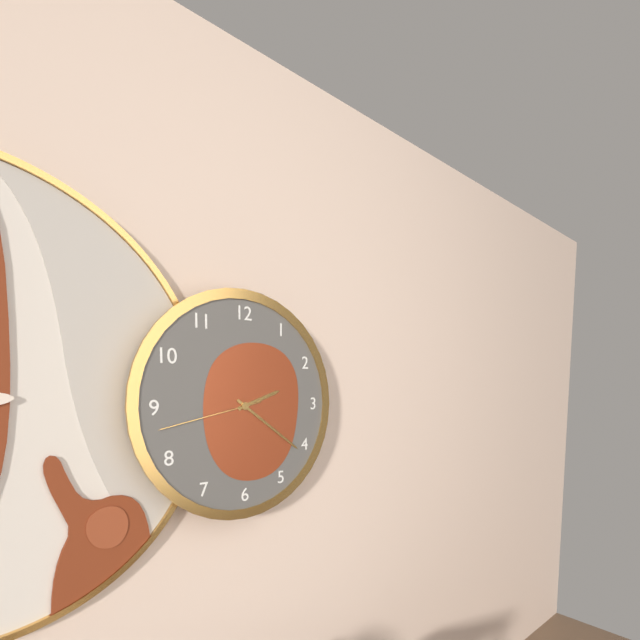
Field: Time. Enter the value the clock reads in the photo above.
2:21:43
